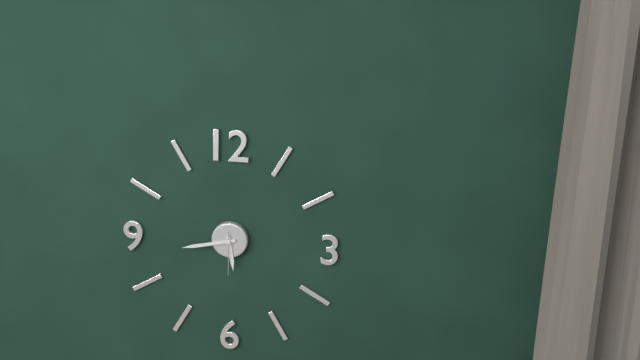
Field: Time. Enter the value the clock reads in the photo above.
5:43
